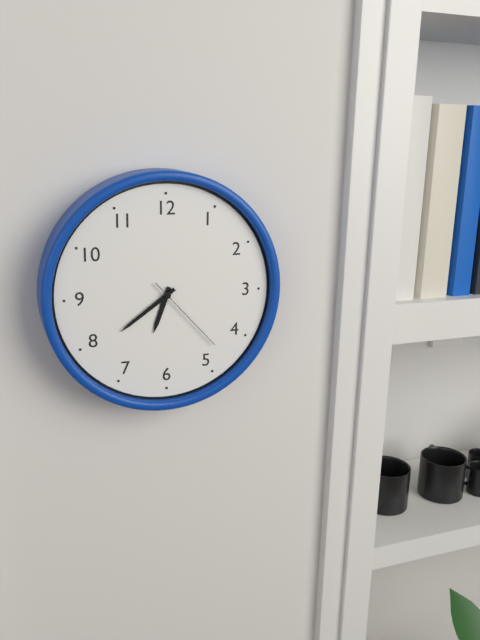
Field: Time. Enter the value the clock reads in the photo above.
6:39:23
